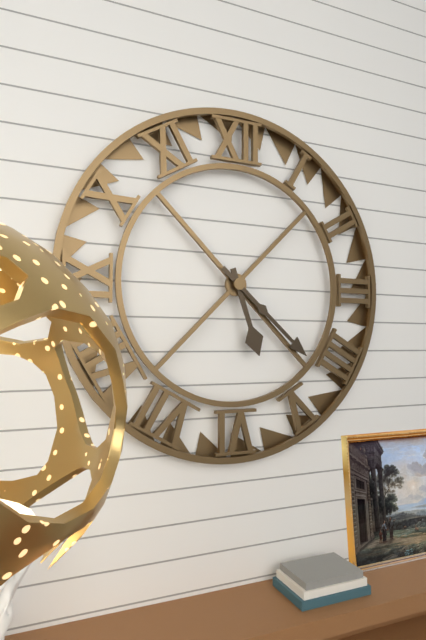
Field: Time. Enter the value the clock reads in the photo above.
5:22
